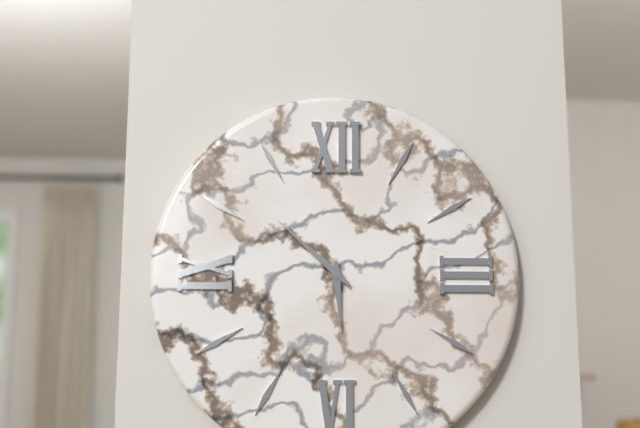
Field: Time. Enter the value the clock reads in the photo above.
5:52
